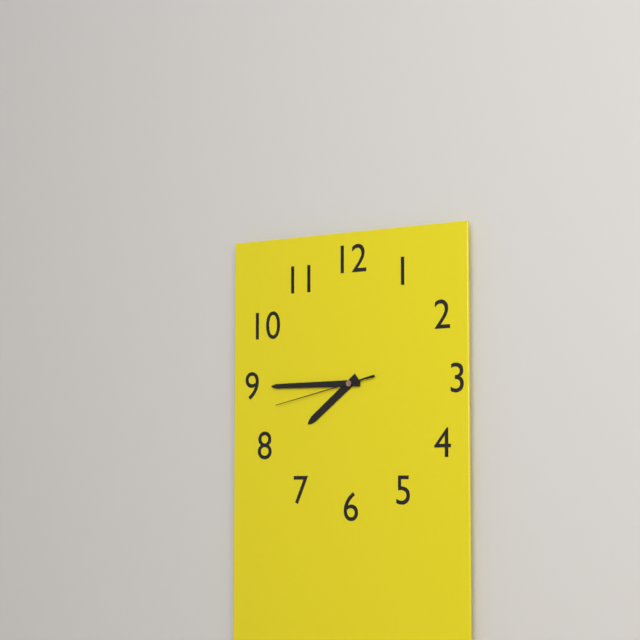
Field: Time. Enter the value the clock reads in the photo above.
7:45:43
